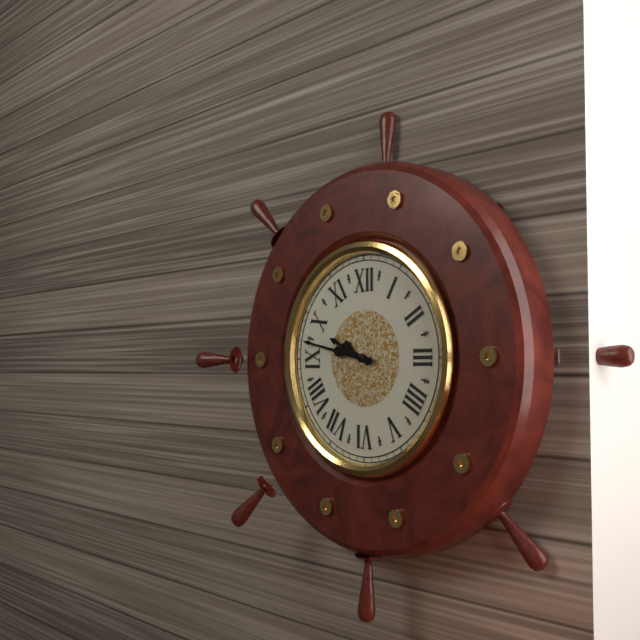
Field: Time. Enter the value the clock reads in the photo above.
9:47
